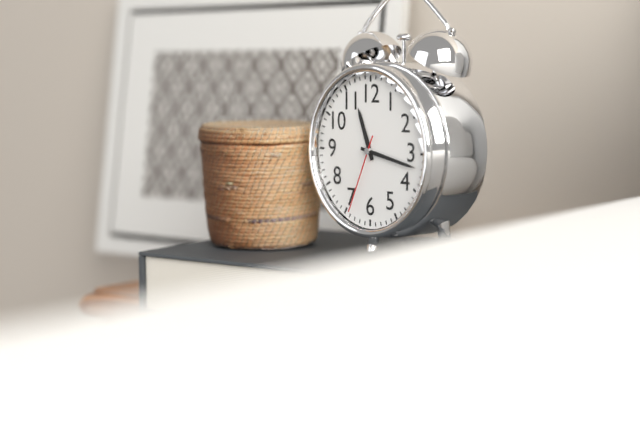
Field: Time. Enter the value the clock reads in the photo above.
11:17:34
